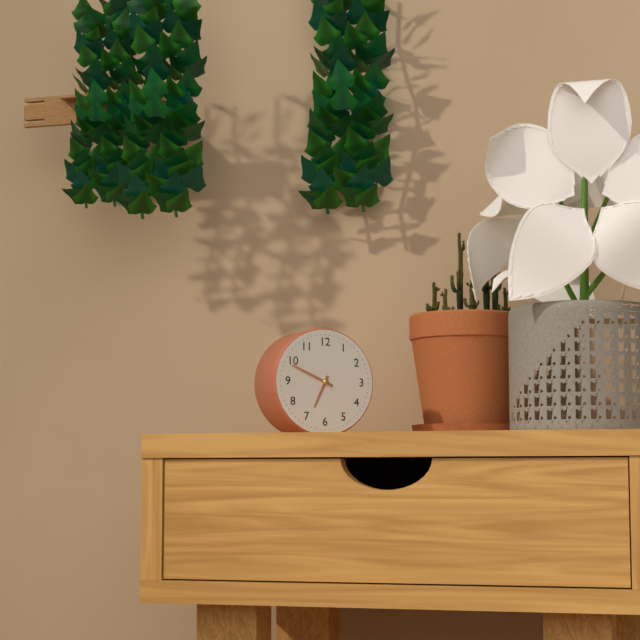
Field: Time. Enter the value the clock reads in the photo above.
6:49
